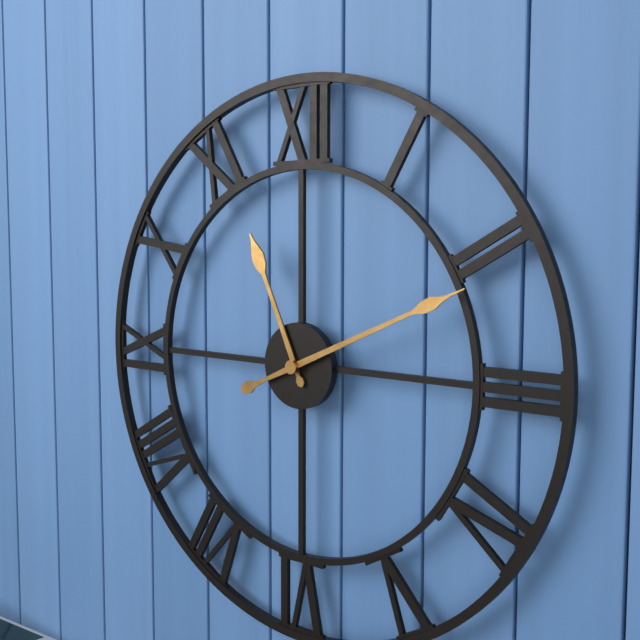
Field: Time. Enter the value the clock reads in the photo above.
11:11
